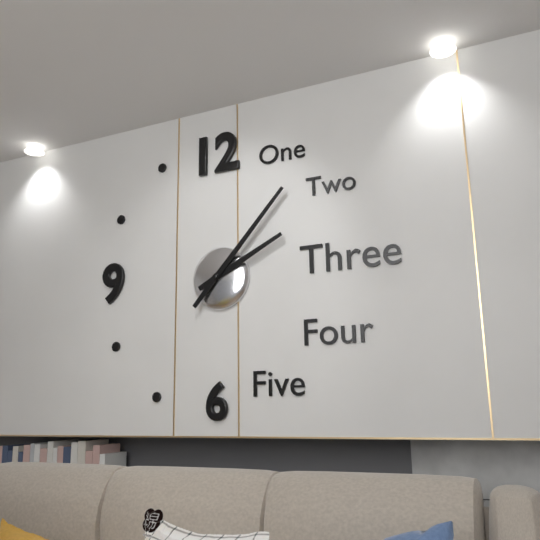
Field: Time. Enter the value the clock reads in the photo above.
2:07
